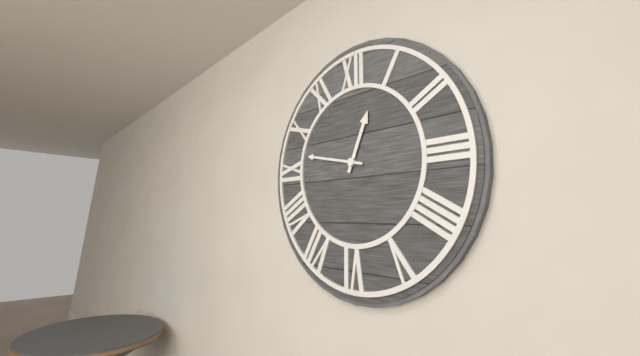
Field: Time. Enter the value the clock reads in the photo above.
12:47
